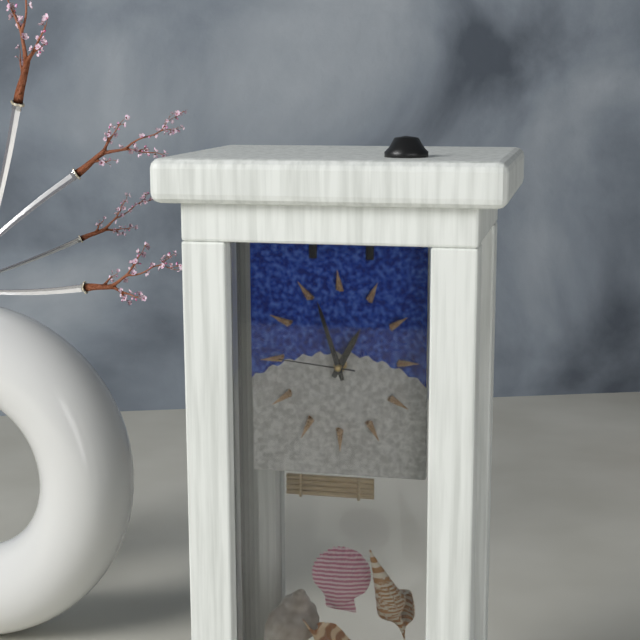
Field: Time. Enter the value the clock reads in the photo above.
12:57:46
